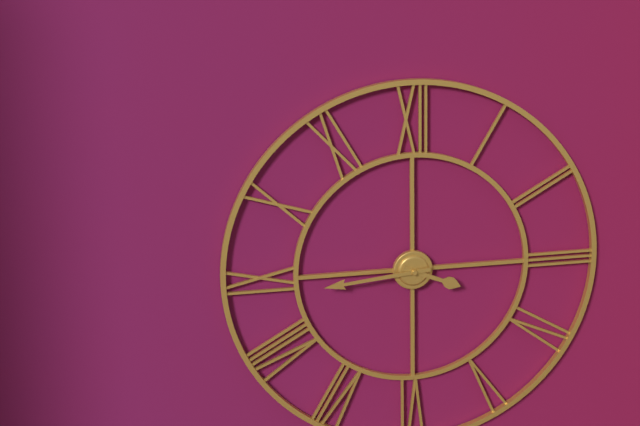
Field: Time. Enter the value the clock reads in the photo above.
3:44
